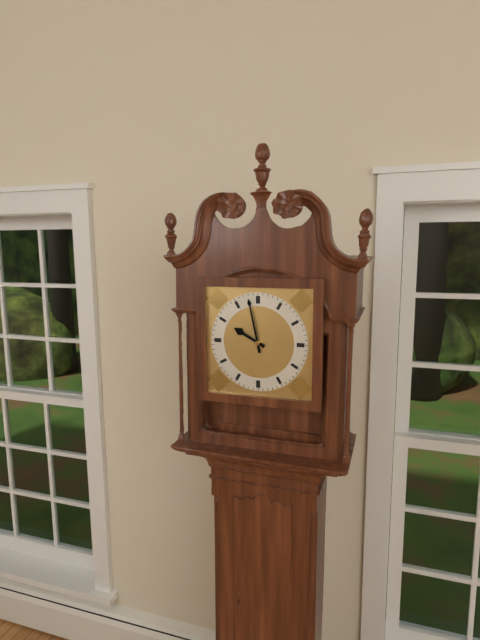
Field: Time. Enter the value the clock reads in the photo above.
9:58
